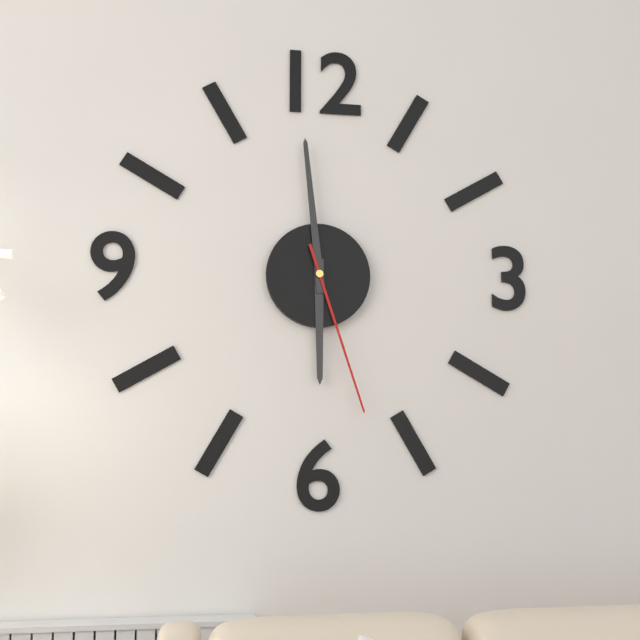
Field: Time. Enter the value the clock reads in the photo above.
5:59:27
